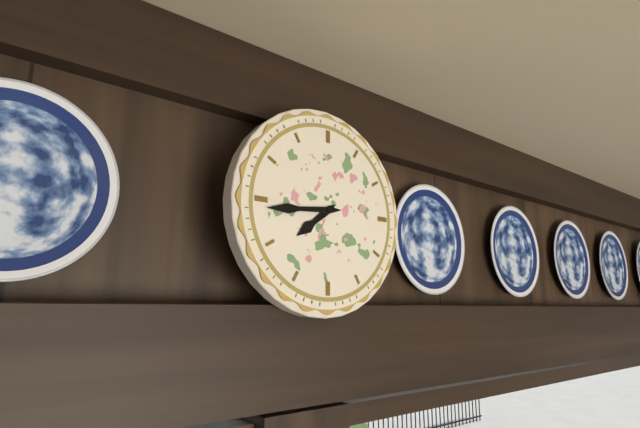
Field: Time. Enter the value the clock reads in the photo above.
7:44
